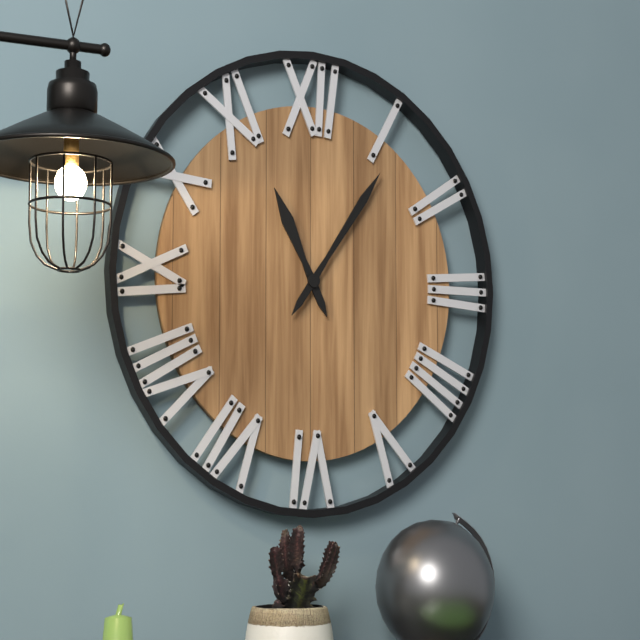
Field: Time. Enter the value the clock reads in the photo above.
11:06
